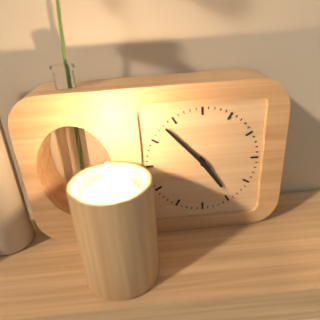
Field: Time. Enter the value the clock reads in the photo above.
4:53
